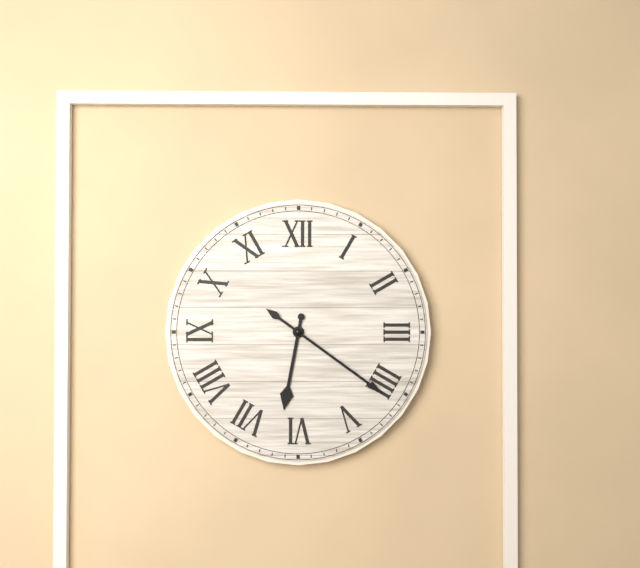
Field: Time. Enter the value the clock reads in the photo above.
6:21
